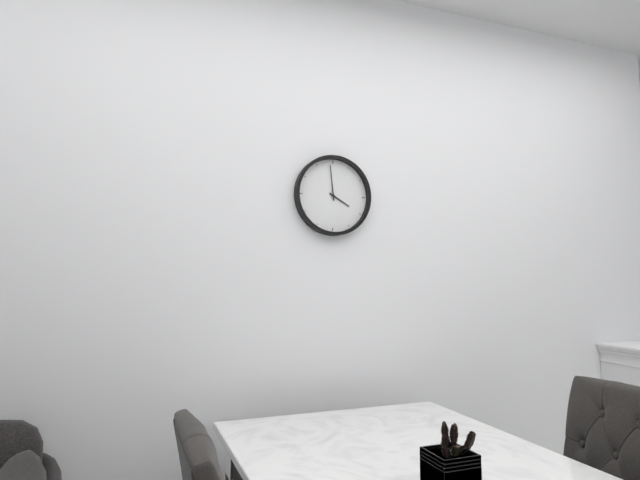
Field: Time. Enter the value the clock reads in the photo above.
3:59
